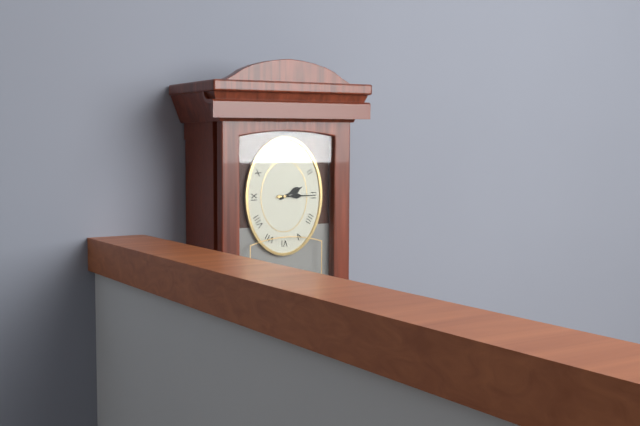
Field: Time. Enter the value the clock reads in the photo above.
2:15
